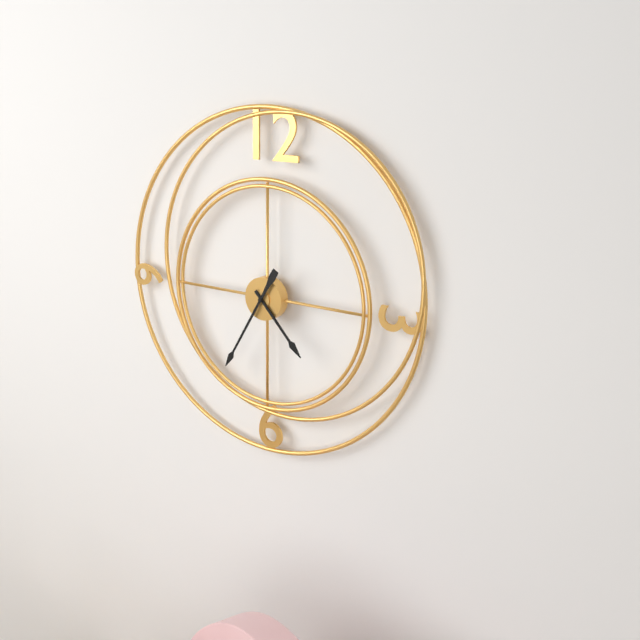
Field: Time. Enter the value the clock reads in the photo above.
4:35
